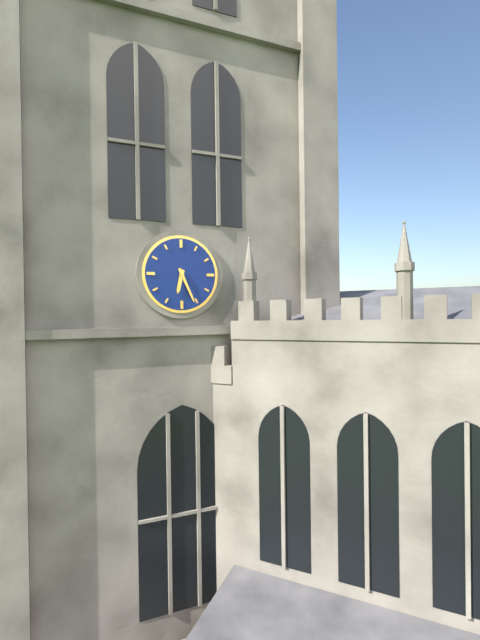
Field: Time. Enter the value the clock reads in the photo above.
6:26
